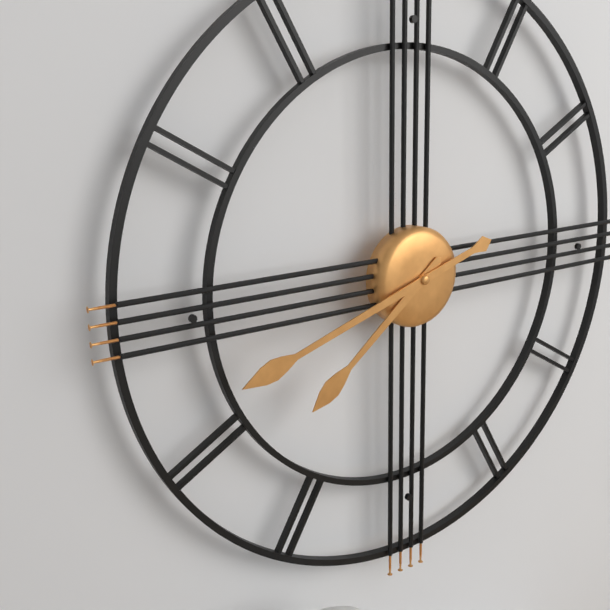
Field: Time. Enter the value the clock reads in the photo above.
7:42
